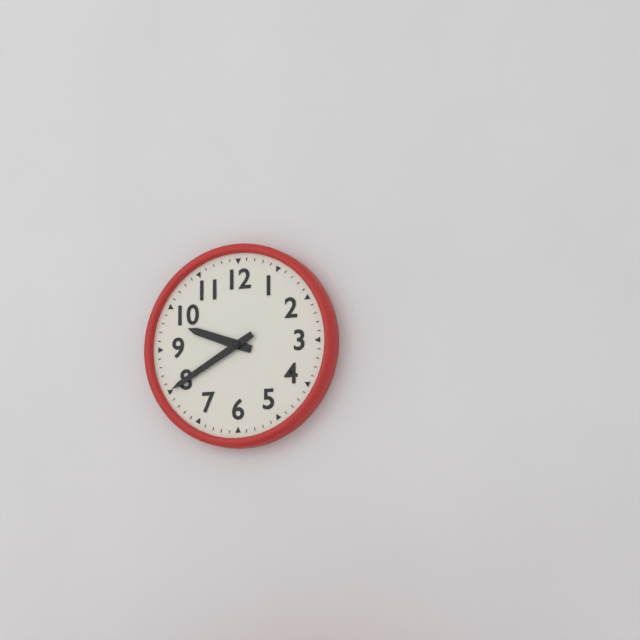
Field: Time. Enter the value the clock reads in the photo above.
9:40
